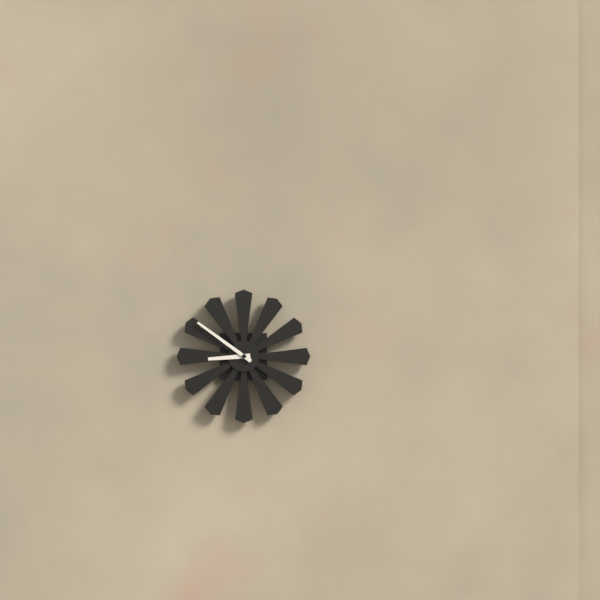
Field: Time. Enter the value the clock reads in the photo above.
8:51
